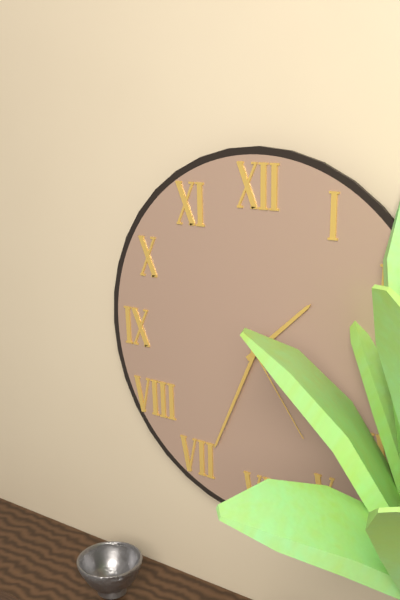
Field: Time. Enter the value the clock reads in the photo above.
1:34:24
